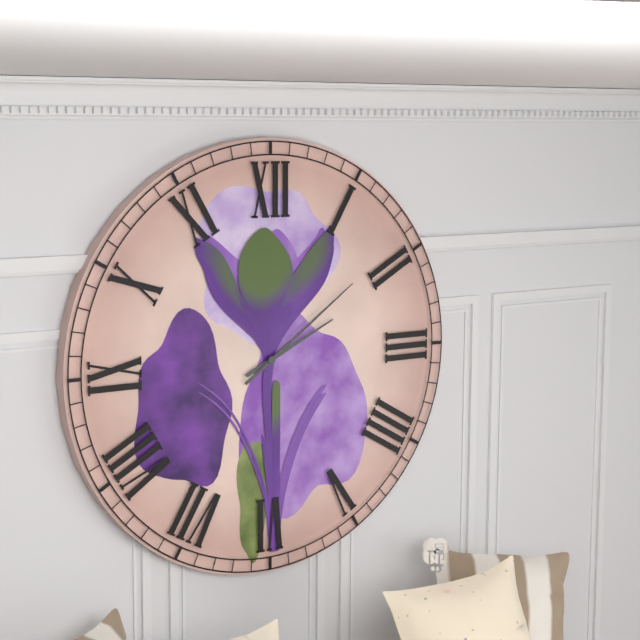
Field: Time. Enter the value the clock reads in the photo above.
2:09
